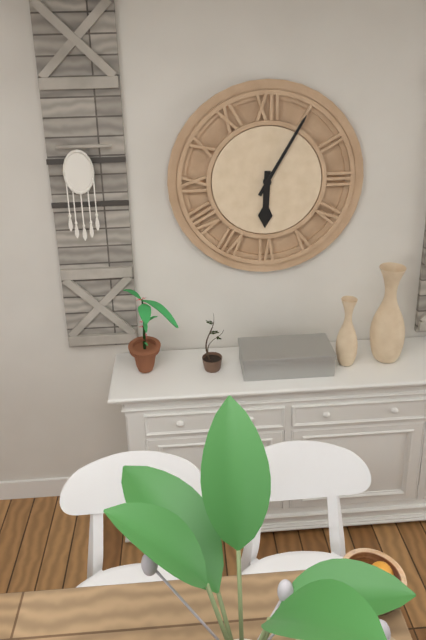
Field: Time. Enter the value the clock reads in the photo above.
6:05
